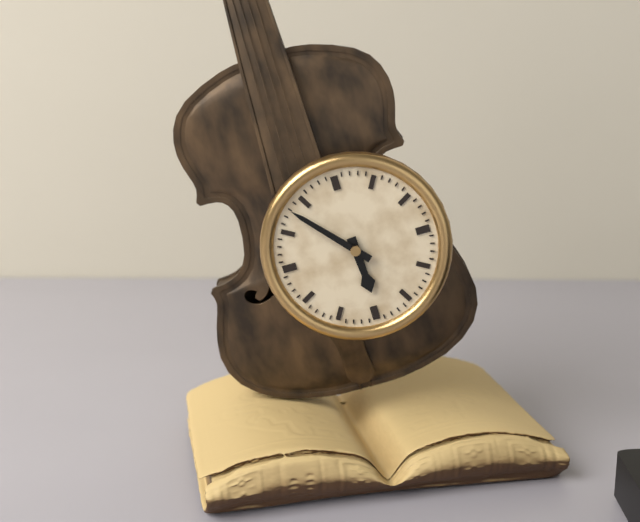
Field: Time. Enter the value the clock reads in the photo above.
5:53
